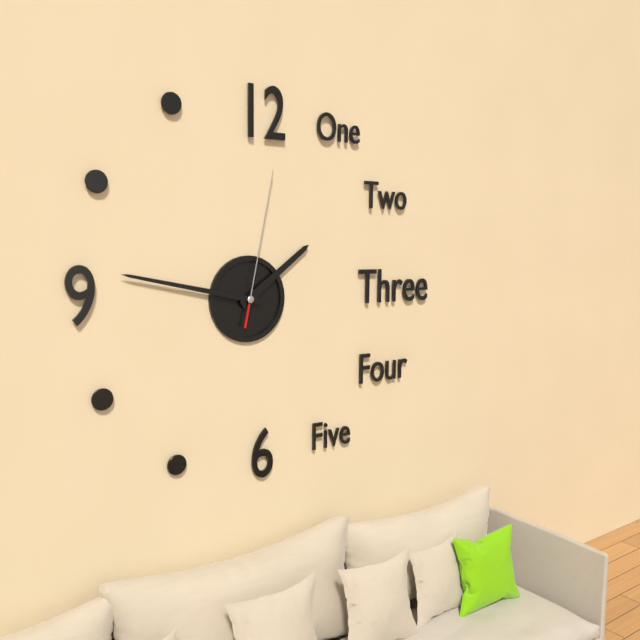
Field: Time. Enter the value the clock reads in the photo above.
1:47:02
